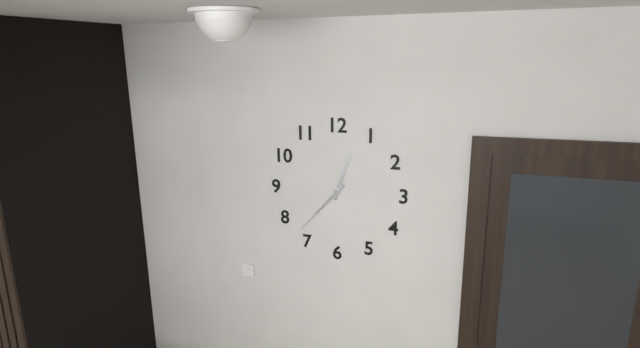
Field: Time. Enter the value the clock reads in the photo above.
12:37
